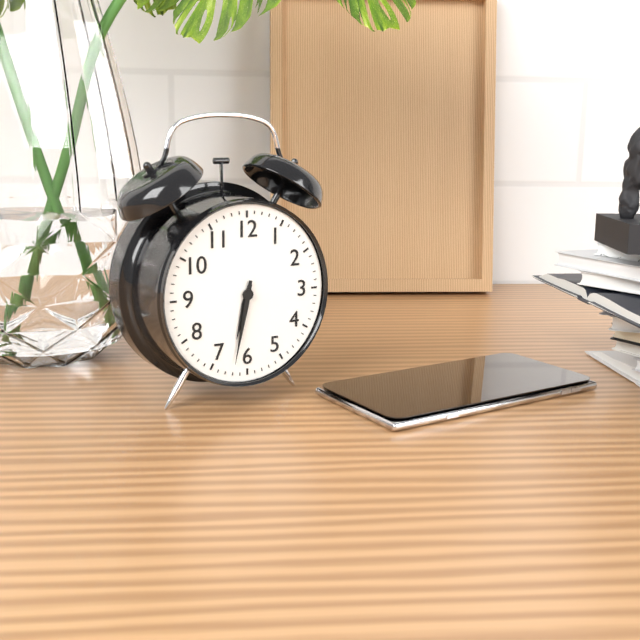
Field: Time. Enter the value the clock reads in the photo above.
6:32
